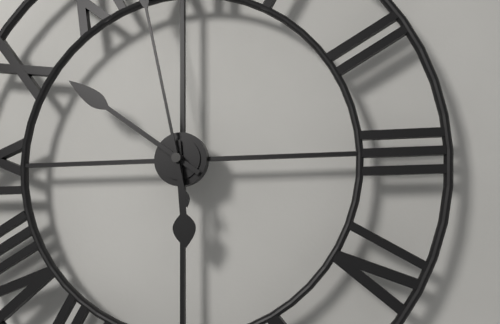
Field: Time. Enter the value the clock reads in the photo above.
5:51
